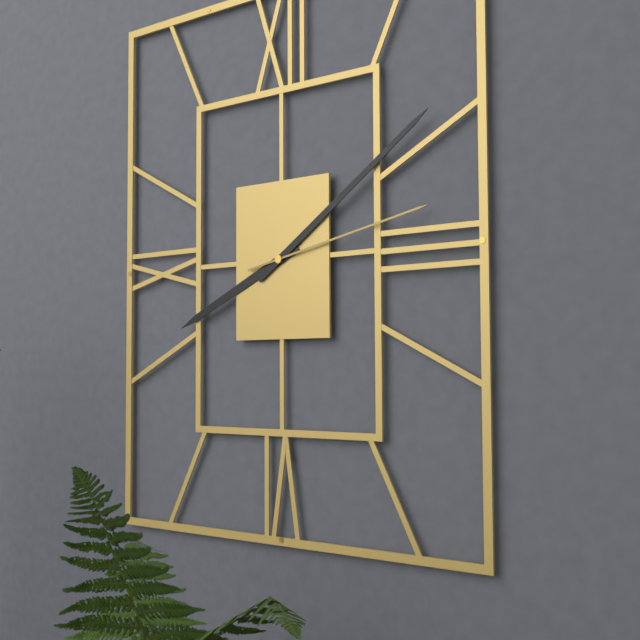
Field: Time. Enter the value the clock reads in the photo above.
8:09:13
